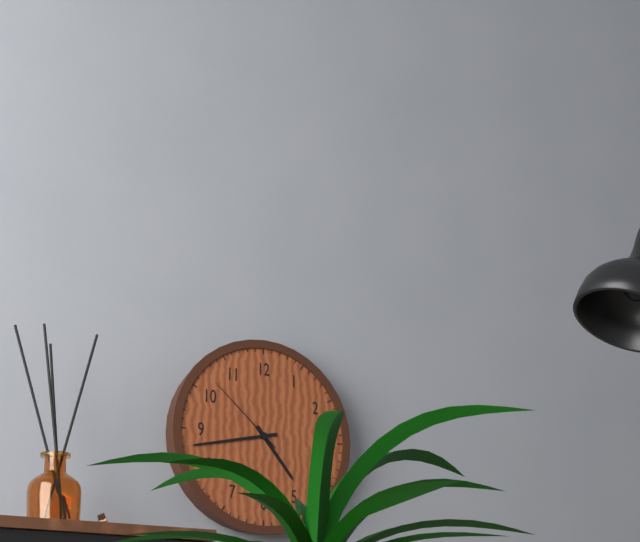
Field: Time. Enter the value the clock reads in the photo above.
4:43:52
